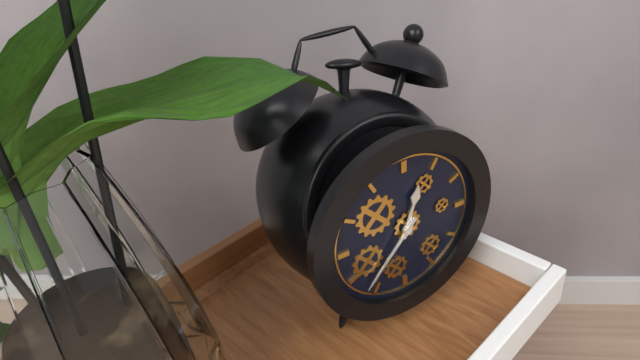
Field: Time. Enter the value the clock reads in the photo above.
12:37
